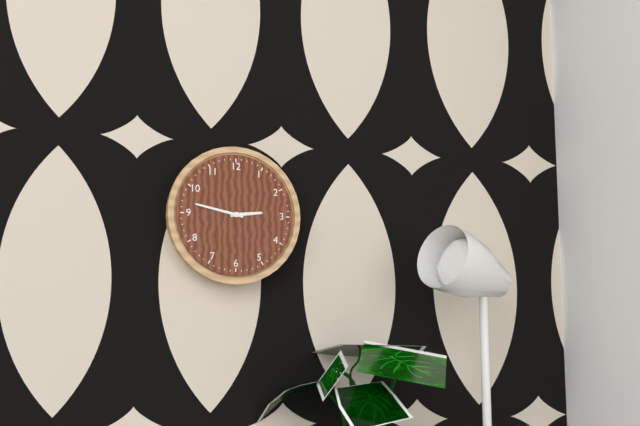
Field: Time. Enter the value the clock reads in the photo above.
2:47
